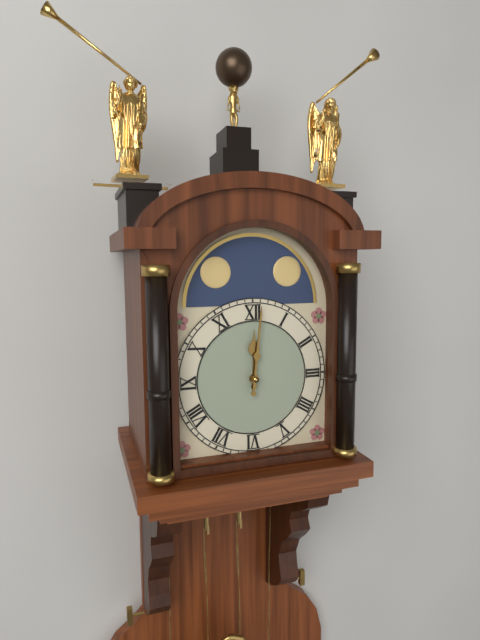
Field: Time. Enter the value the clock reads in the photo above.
12:01
